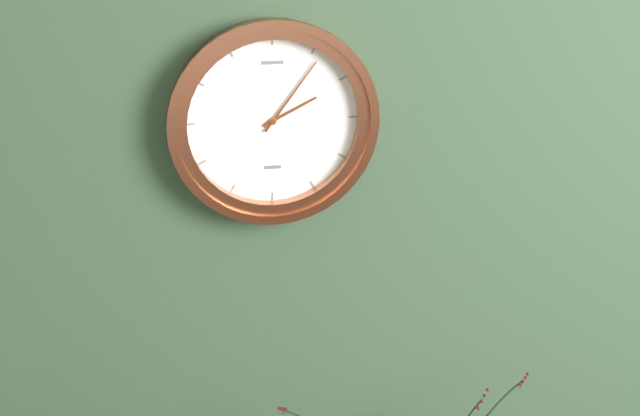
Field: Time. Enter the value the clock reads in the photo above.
2:06
